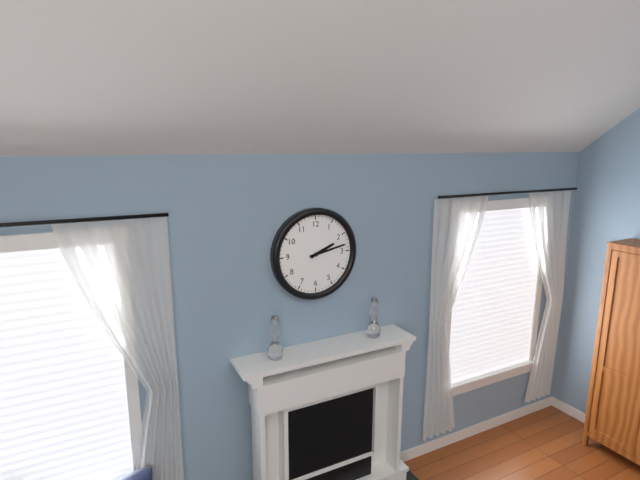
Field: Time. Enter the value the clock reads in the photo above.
2:13
